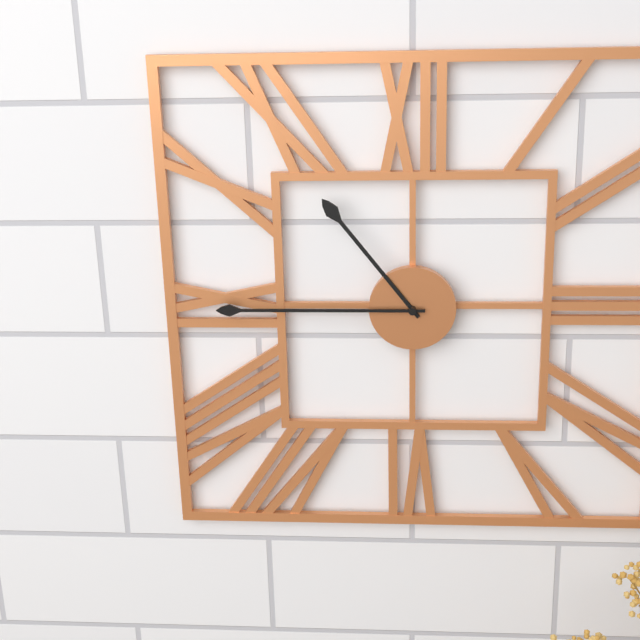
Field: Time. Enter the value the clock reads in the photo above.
10:45
